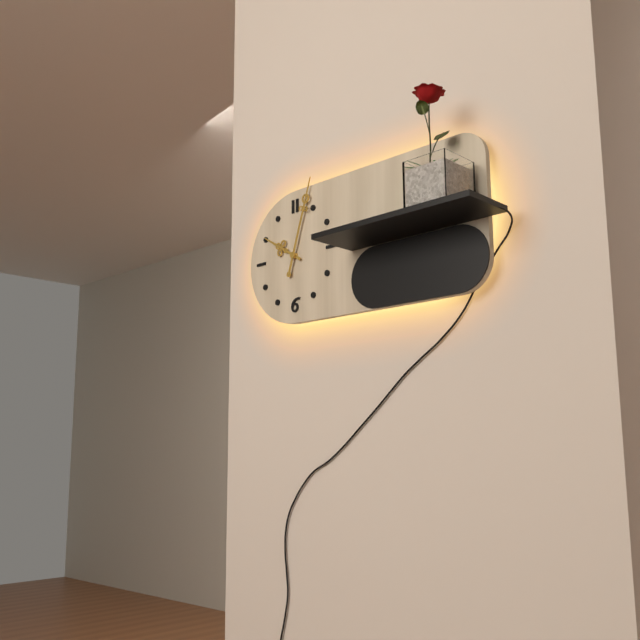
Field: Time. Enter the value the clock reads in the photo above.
10:03
